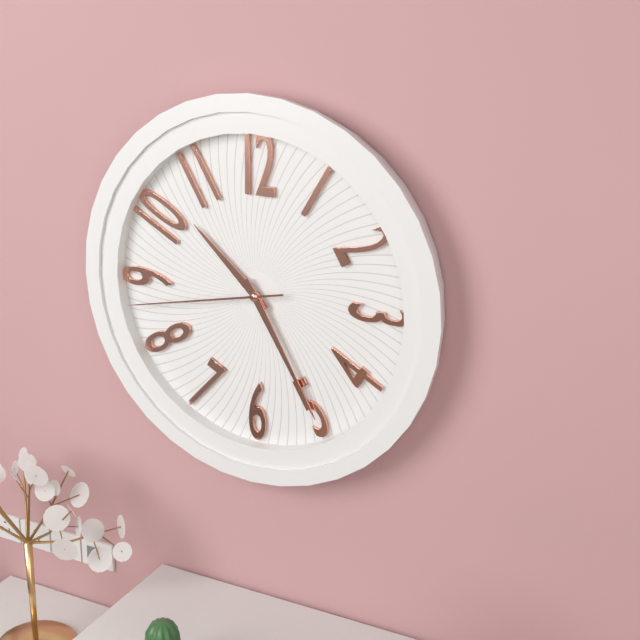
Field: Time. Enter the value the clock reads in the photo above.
10:25:43
